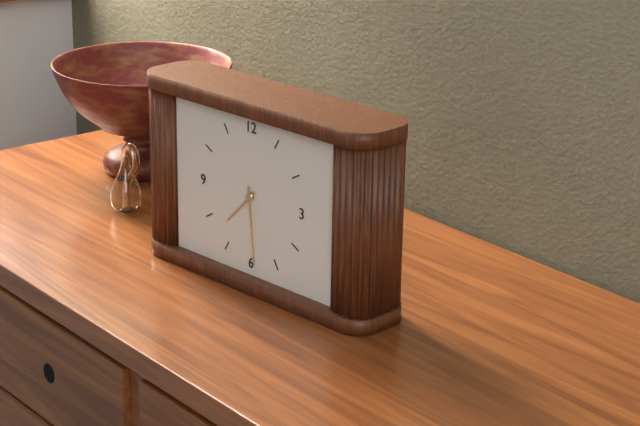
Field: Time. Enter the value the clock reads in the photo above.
7:29
